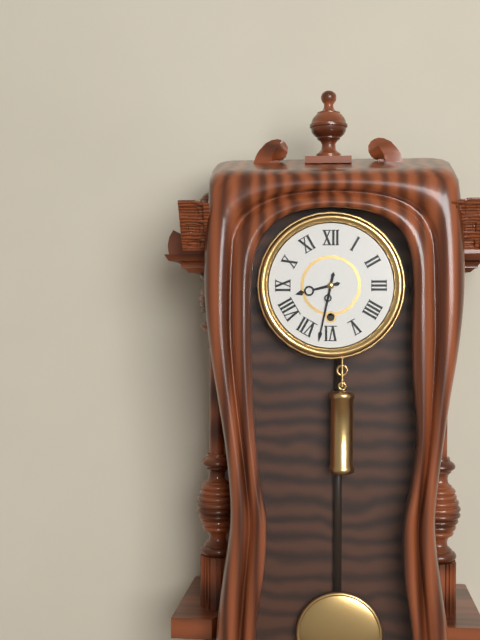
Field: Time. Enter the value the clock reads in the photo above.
8:32
